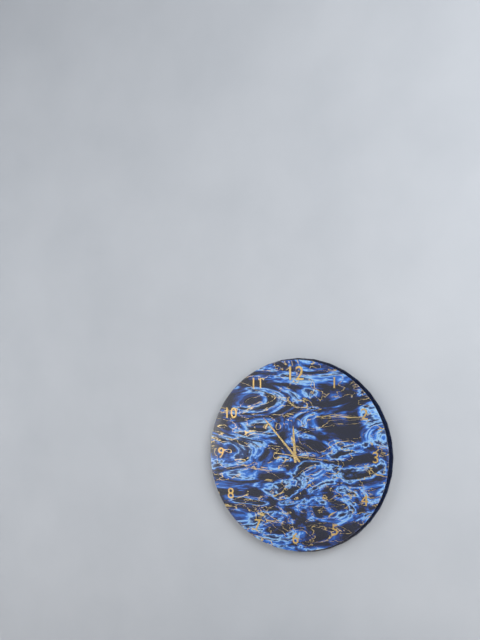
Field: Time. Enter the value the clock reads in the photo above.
11:53:16
